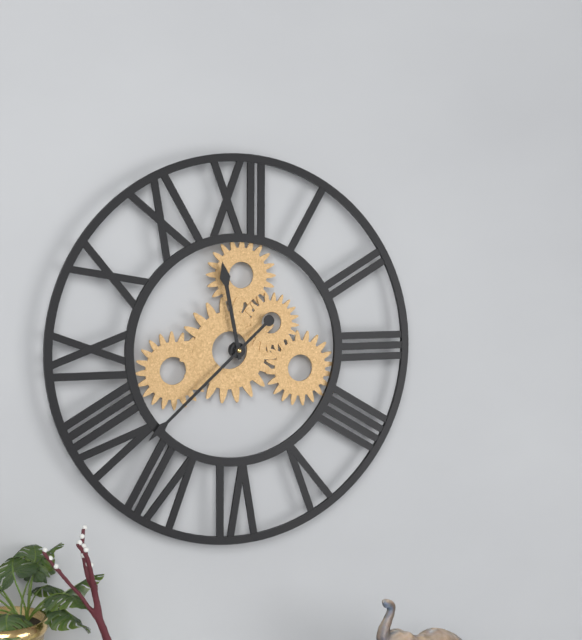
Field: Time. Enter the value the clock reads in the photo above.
11:38
